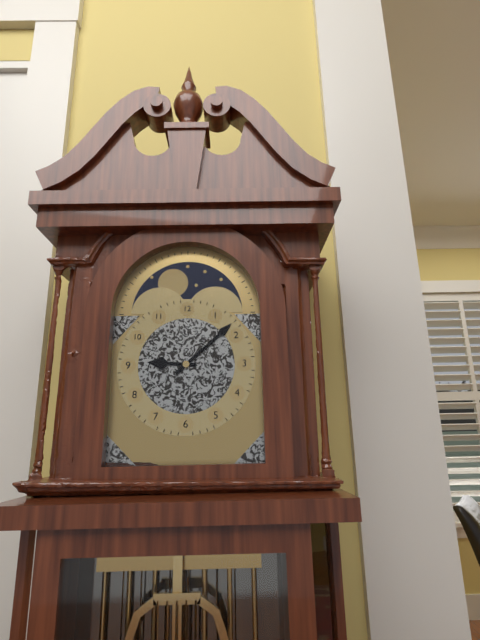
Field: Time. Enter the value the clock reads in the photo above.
9:08
